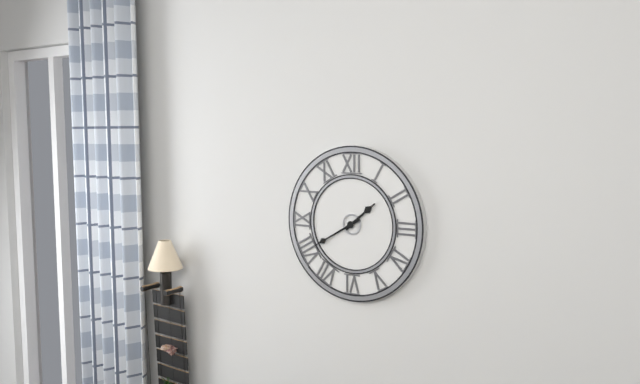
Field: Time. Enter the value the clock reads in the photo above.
1:40
